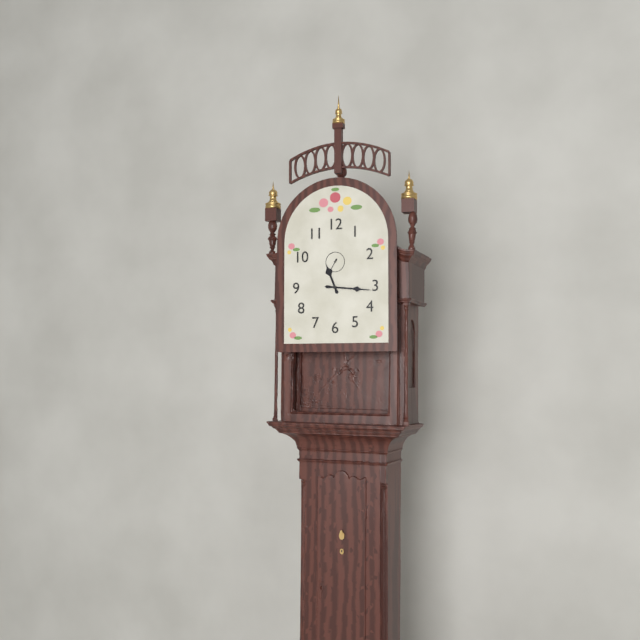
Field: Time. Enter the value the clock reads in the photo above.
11:16
